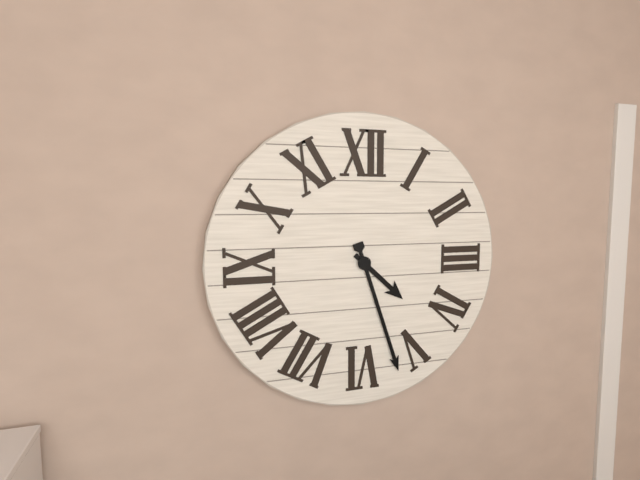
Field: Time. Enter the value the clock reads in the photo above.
4:27
